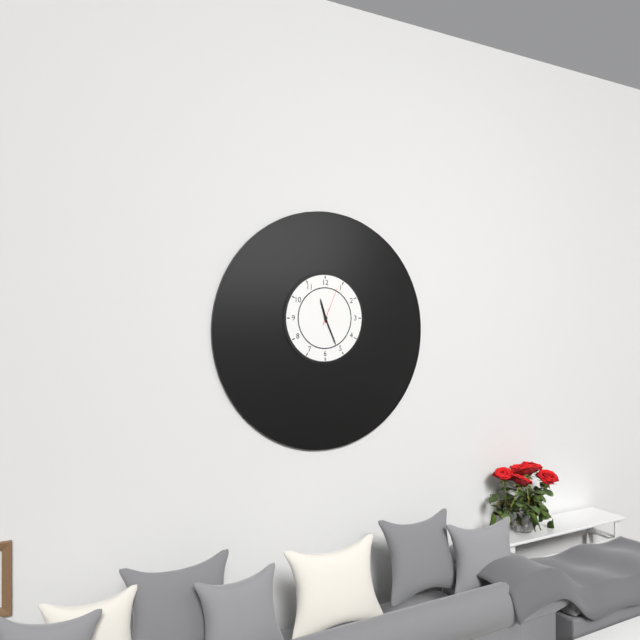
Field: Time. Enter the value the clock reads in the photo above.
11:26
